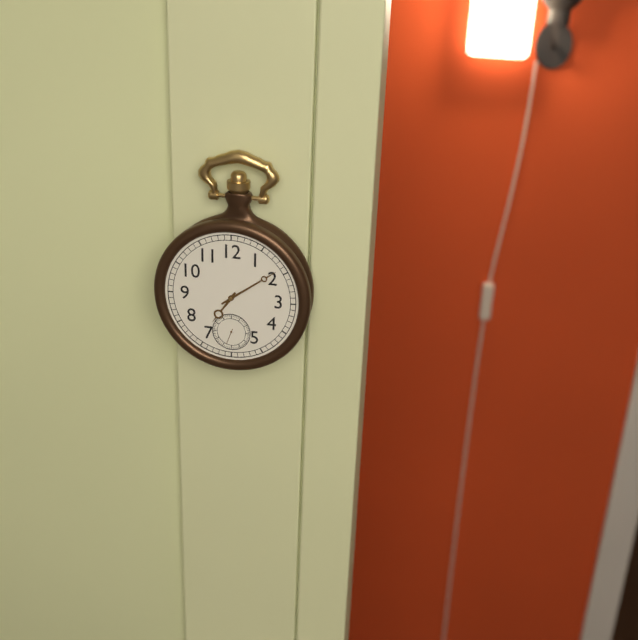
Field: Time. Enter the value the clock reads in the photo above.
7:09
